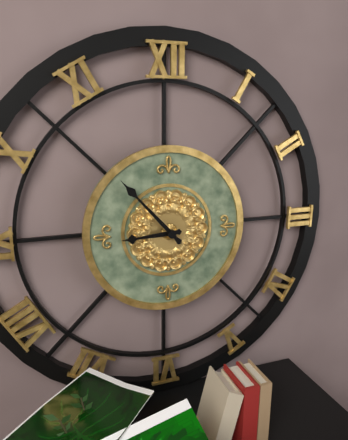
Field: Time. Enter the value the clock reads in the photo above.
8:53
